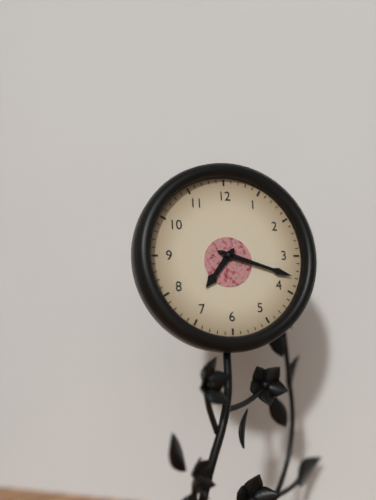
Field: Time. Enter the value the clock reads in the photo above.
7:18
